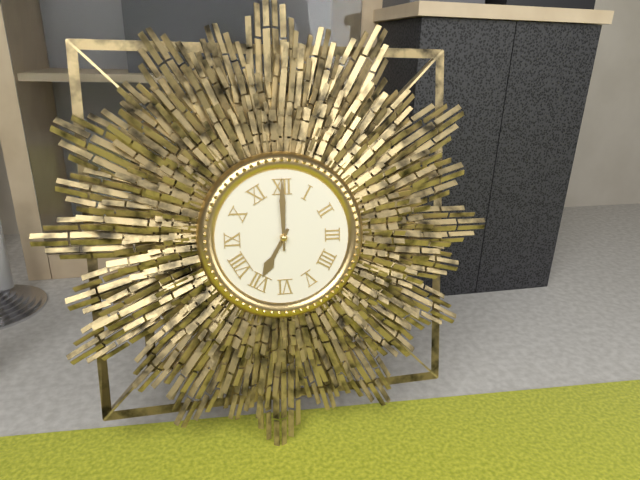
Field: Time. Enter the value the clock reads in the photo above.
7:00
